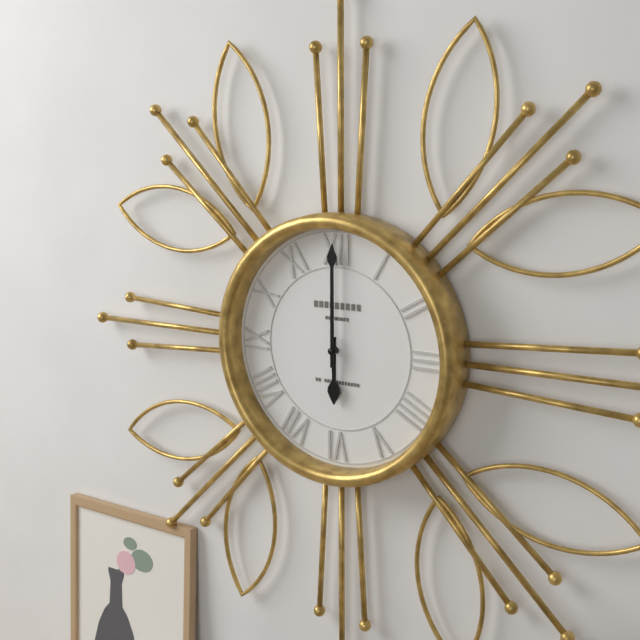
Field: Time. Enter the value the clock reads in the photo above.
6:00
